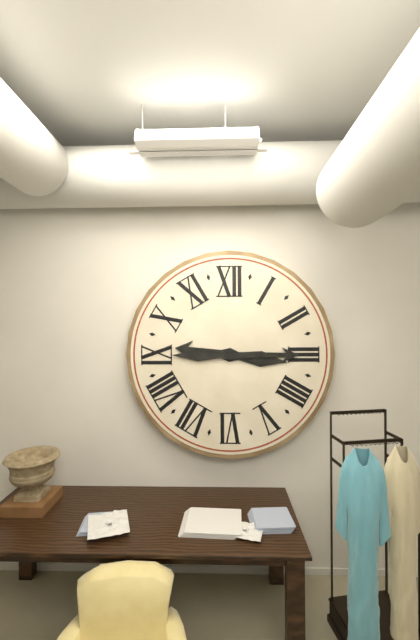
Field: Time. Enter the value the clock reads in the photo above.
9:15
